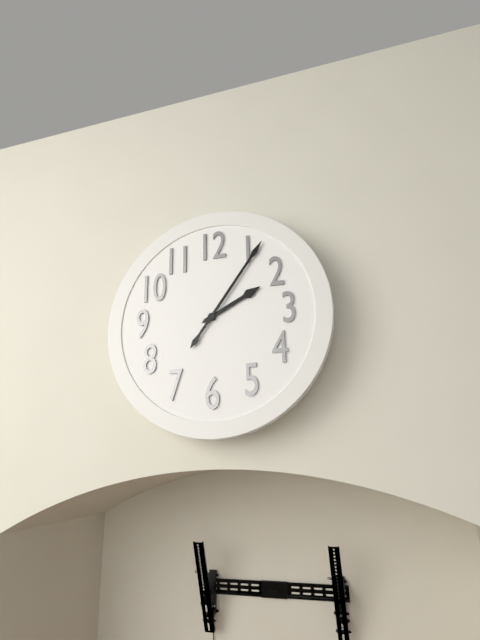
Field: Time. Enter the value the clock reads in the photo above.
2:06
